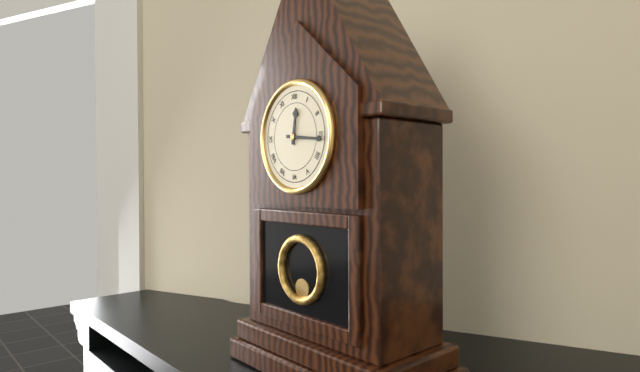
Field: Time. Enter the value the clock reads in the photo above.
12:16
